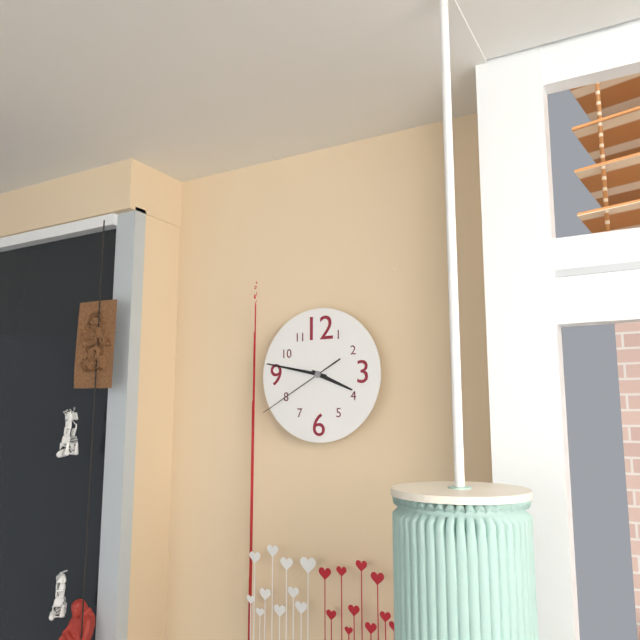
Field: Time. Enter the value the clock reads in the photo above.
3:47:40
